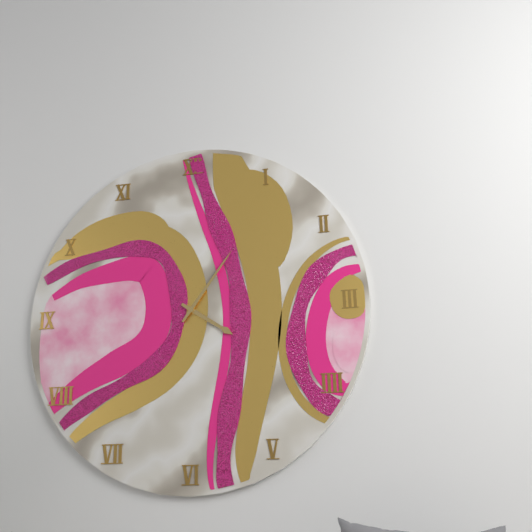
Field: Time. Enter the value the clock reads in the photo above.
4:06
